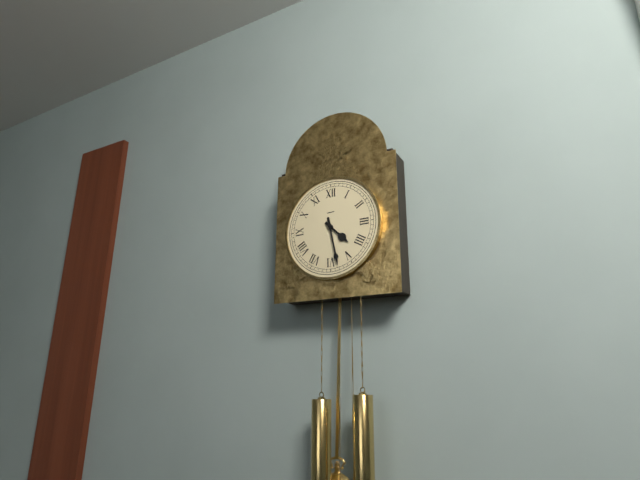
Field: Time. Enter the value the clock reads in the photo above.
4:28
